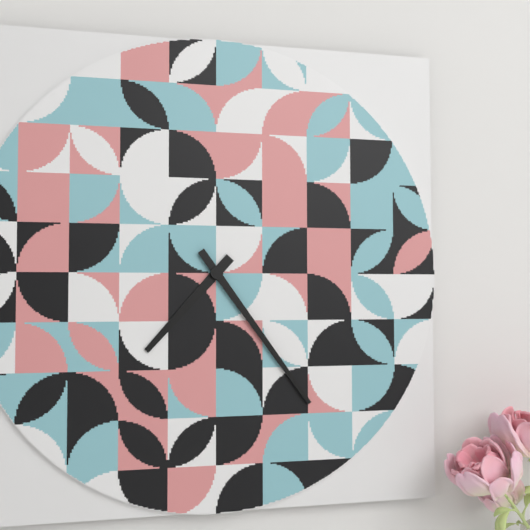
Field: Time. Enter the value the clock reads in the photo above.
7:24
